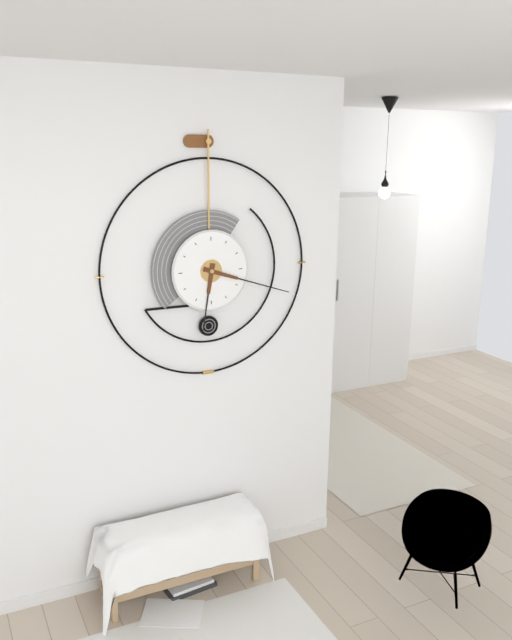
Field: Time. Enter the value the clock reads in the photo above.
6:18
